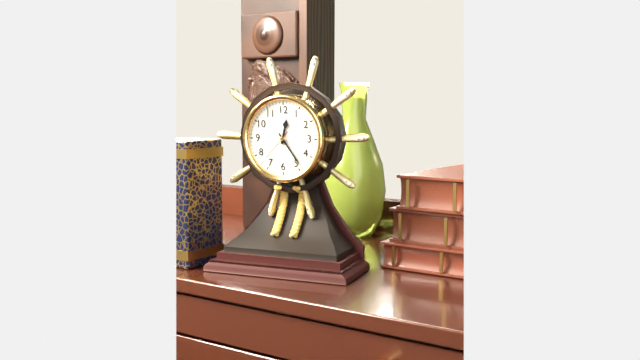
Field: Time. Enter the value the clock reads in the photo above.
12:24
